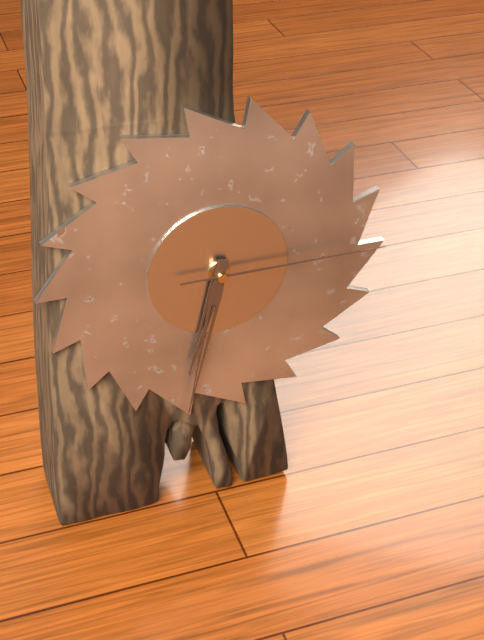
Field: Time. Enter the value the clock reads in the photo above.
6:32:15
